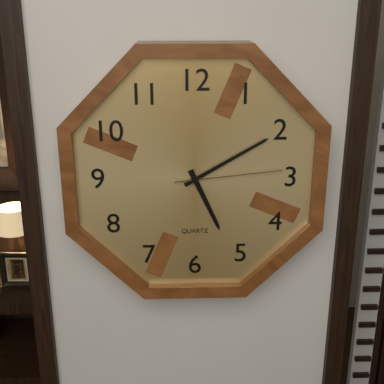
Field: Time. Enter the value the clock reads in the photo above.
5:10:14
